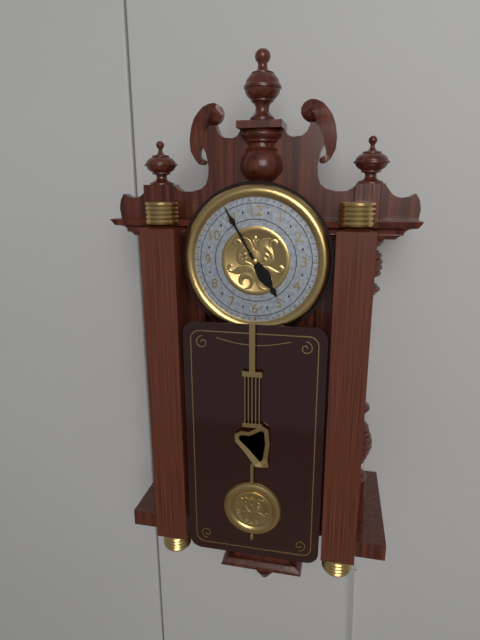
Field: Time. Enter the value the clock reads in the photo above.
4:55
